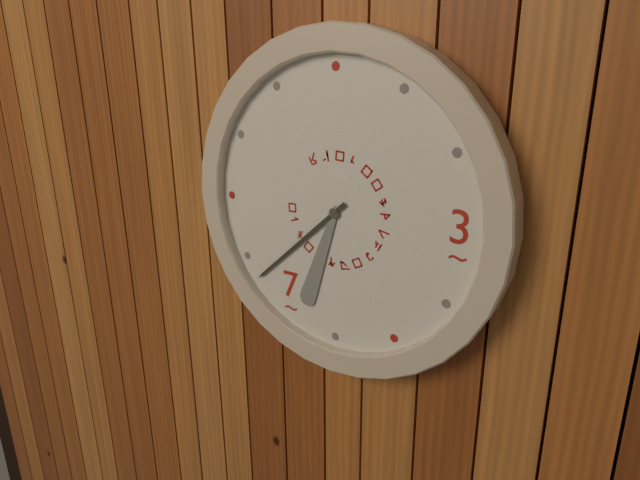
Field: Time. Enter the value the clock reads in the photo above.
6:38
